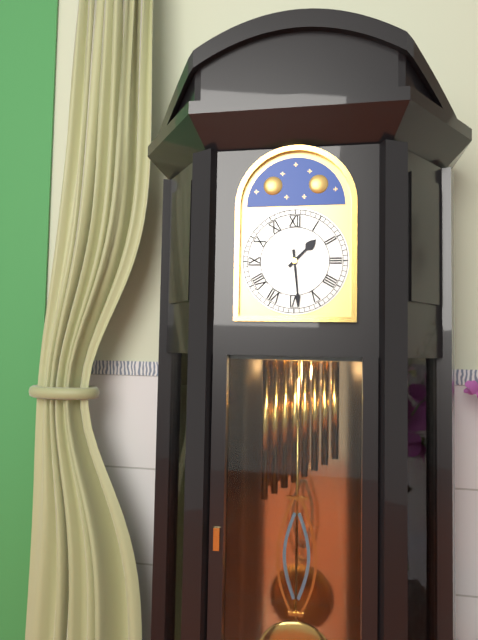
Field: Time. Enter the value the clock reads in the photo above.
1:29
